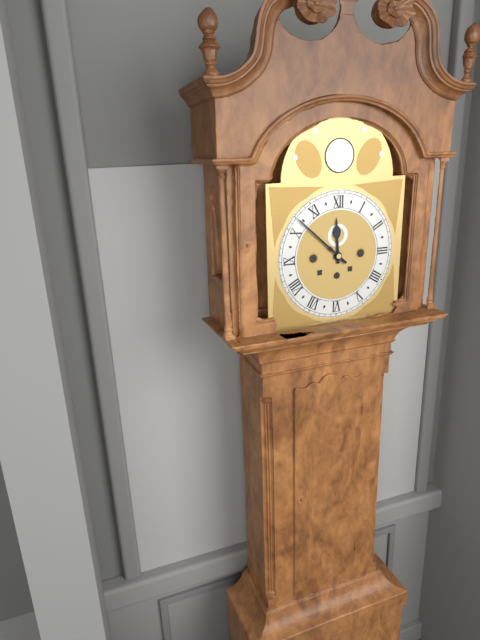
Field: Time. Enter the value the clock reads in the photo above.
11:52
